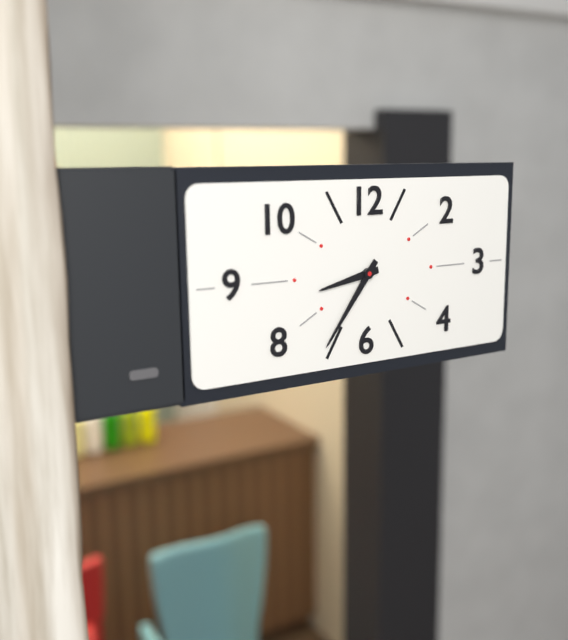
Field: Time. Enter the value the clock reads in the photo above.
8:36
